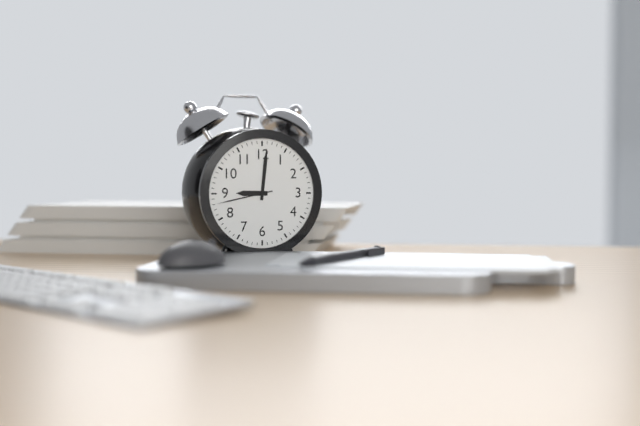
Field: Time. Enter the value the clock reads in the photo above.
9:01:43
